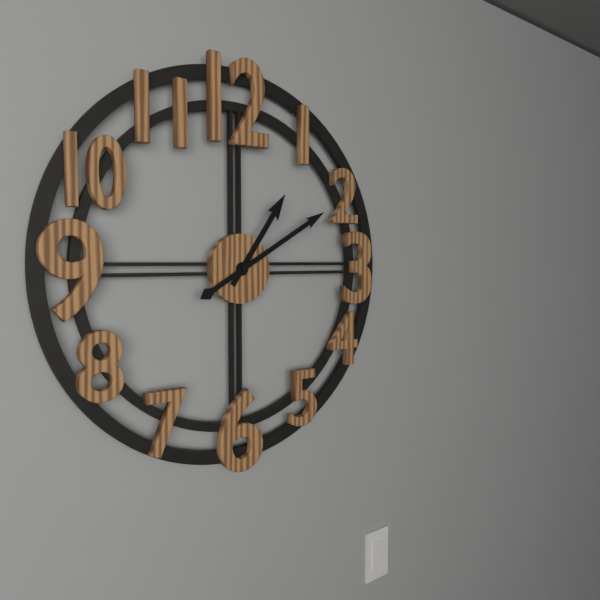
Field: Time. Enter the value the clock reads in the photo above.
1:10
